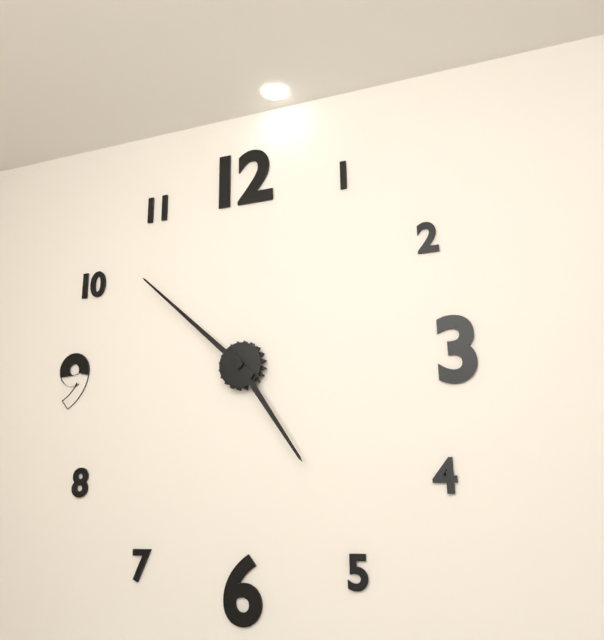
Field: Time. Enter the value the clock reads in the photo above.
4:52
